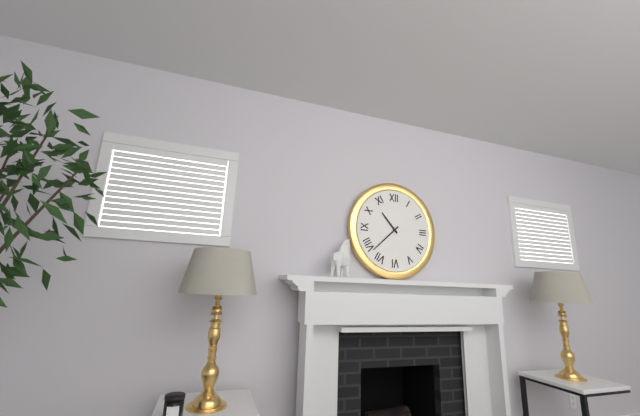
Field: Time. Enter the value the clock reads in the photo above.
10:38
